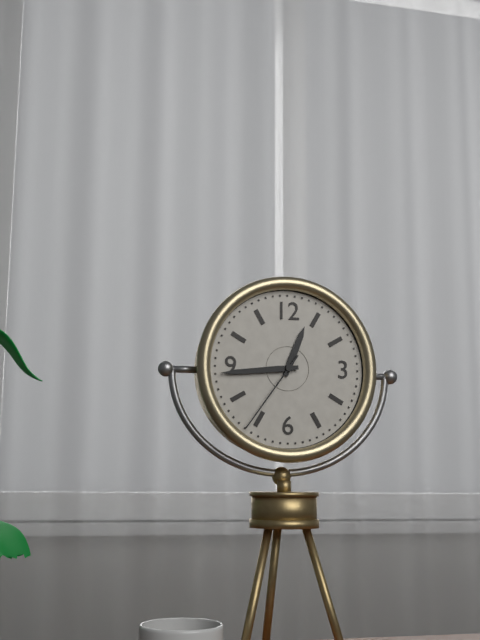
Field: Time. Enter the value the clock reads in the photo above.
12:44:36
